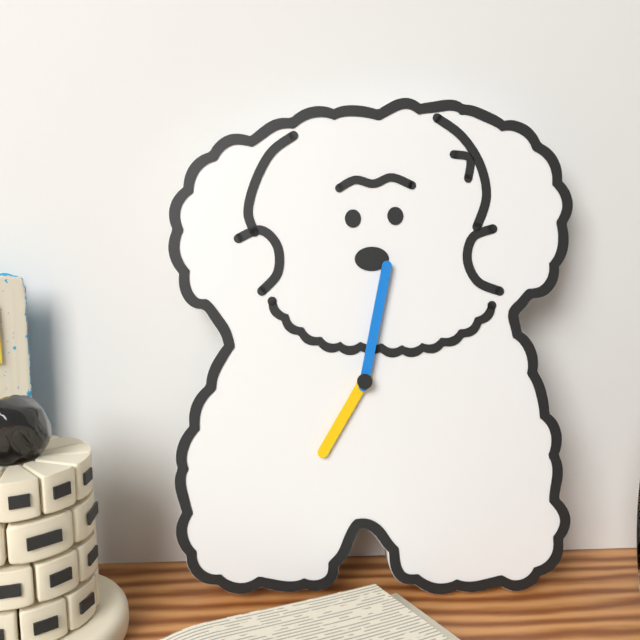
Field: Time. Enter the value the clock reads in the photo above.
7:02
